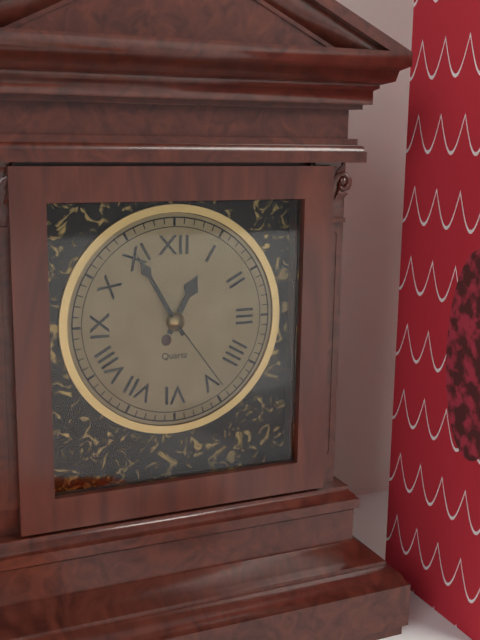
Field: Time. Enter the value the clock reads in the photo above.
12:55:24
